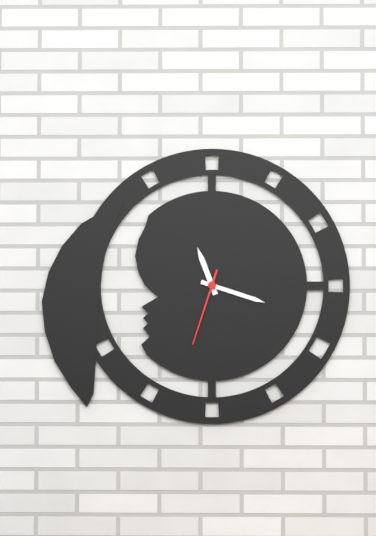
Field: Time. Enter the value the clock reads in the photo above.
11:18:33
